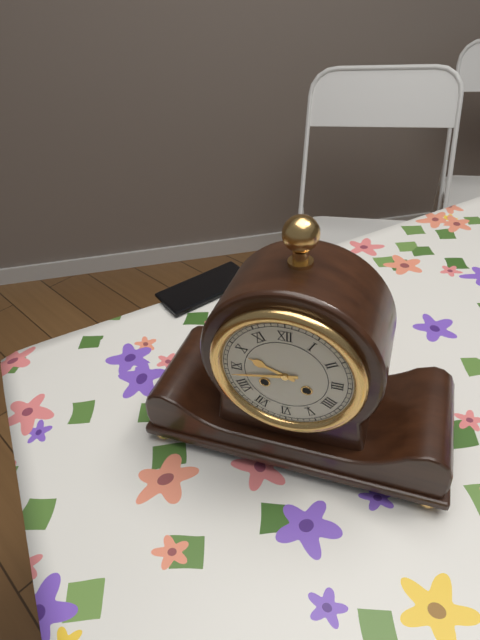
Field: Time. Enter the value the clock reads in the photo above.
9:43
